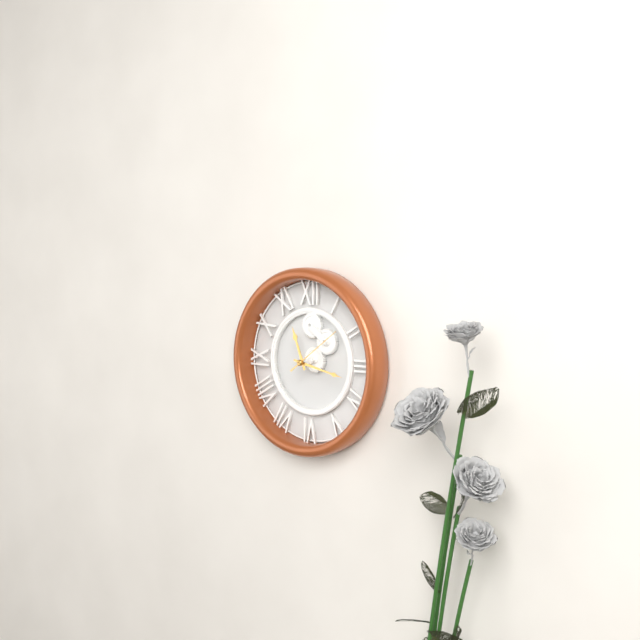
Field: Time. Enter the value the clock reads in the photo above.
11:17:09
